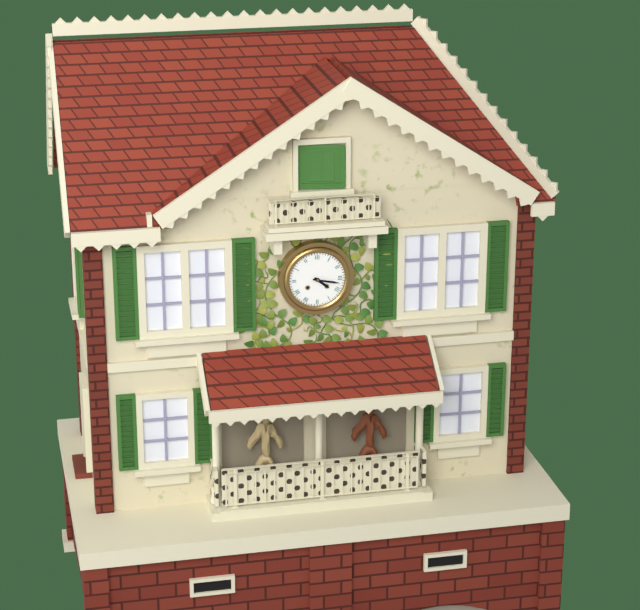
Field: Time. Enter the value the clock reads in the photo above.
4:17
